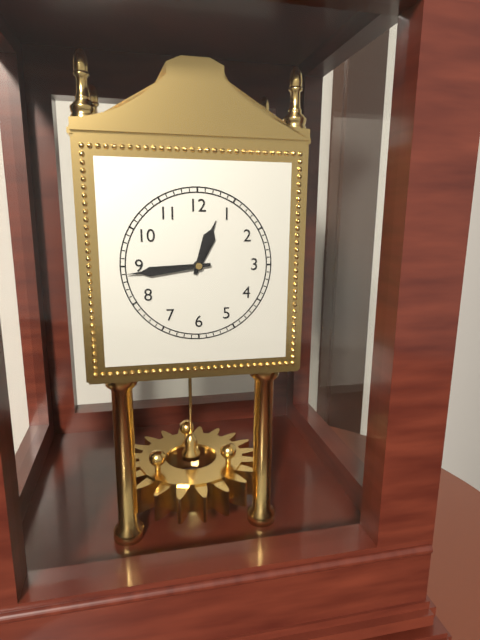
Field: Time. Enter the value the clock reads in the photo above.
12:44
